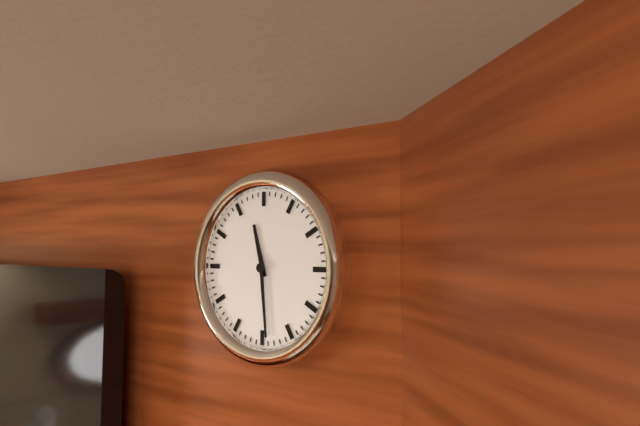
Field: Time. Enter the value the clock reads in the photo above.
11:29
